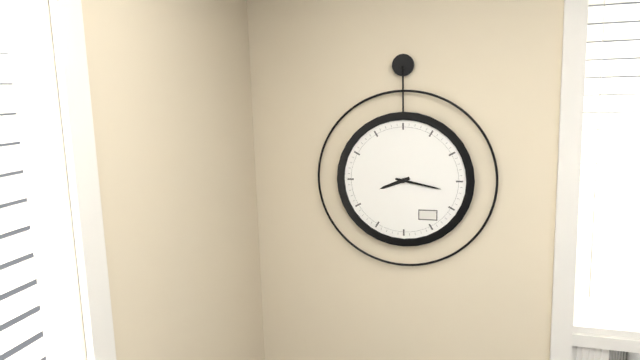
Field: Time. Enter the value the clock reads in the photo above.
8:17
